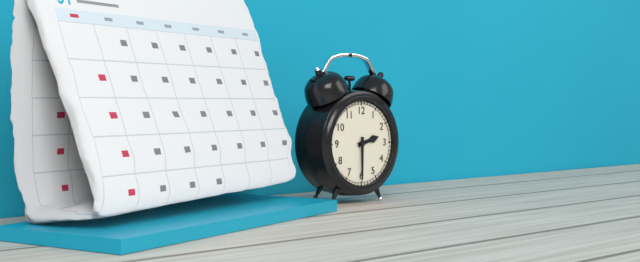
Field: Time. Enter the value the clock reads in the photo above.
2:30
